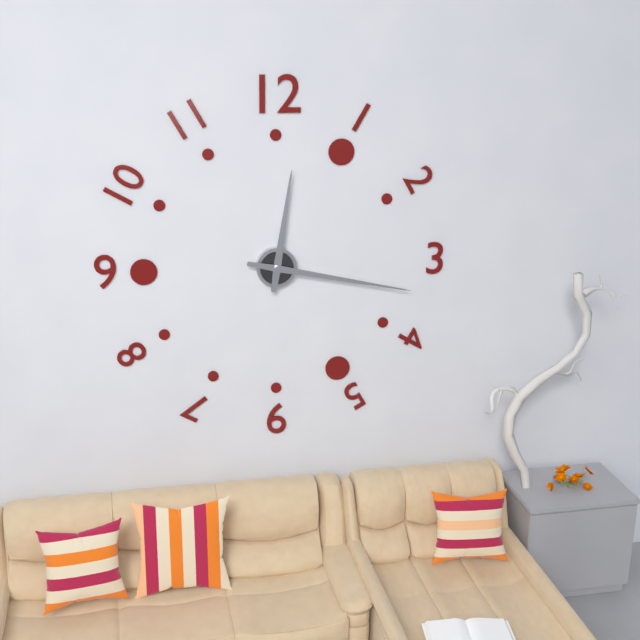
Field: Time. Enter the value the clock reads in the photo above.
12:17
